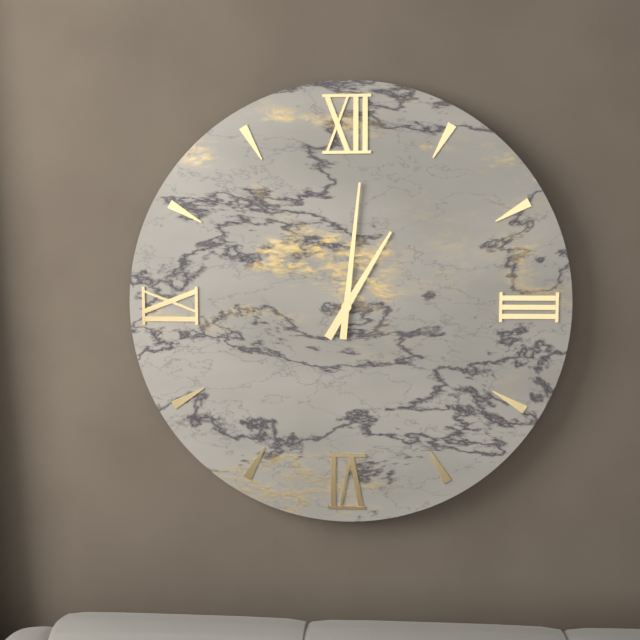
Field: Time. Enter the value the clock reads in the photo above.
1:01
